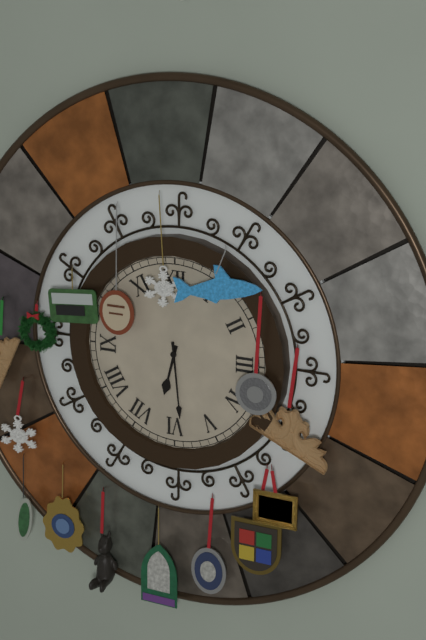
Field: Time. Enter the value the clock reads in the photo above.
6:29
